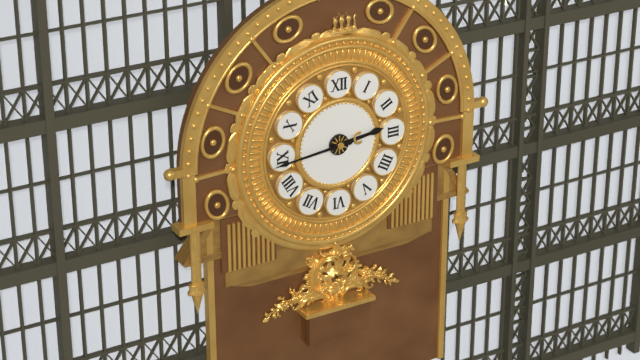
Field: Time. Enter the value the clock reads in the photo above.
2:44
